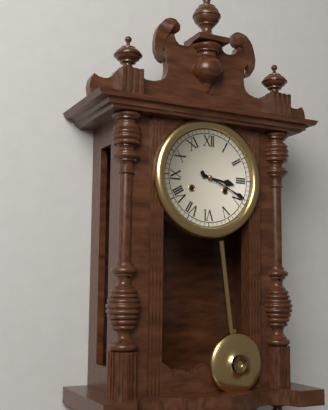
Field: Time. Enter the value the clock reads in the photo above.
3:19
